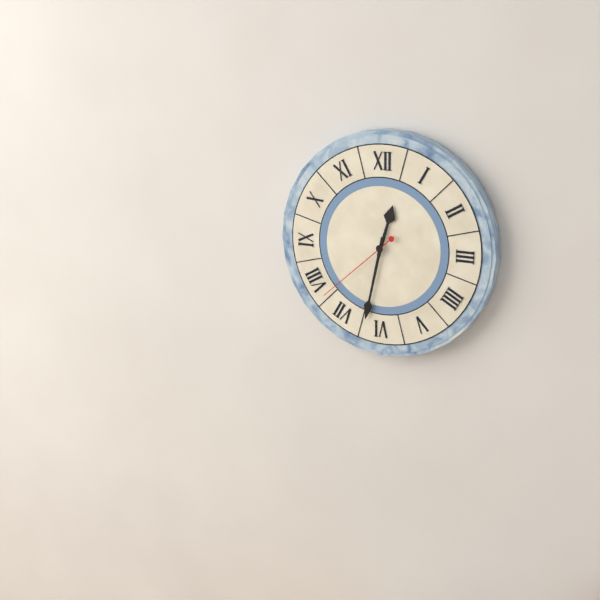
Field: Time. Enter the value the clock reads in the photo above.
12:32:38
